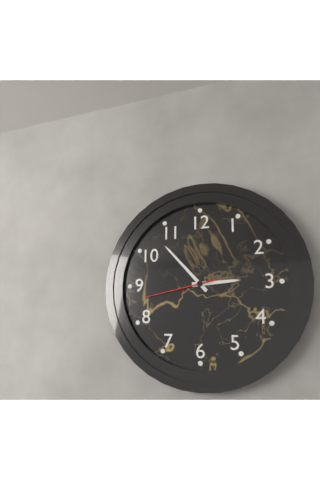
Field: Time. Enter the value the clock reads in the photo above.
2:53:43
